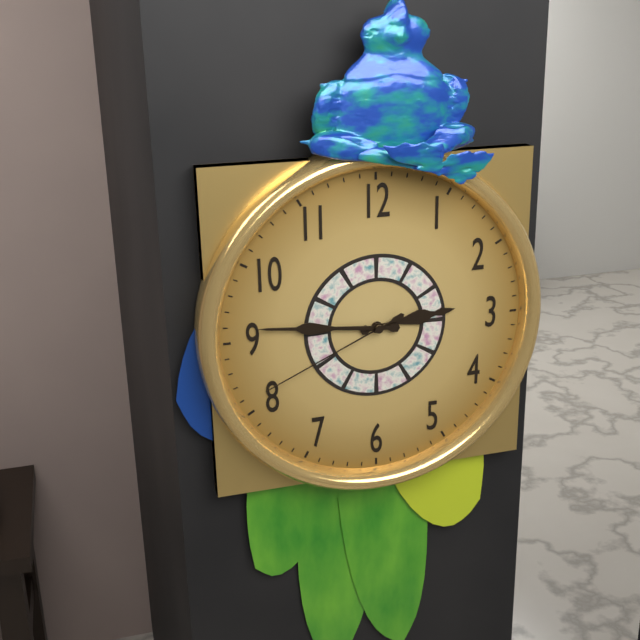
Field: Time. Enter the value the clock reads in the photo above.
2:46:41
